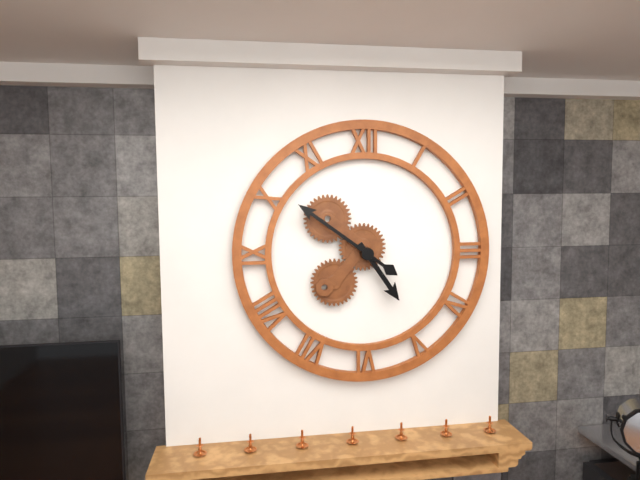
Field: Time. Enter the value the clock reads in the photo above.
4:51
